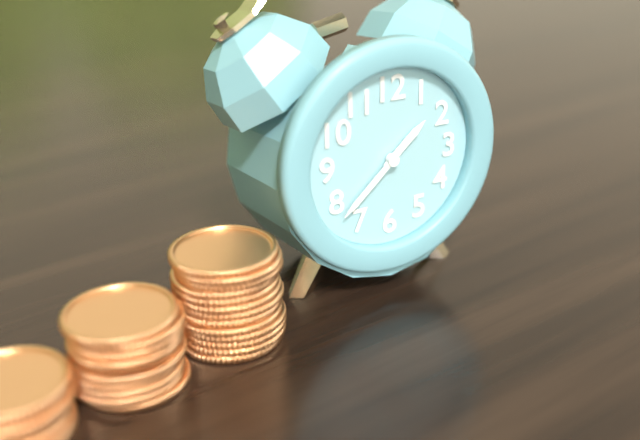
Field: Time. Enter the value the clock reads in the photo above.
1:38
